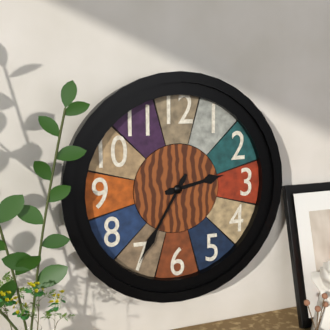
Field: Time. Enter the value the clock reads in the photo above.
2:35
